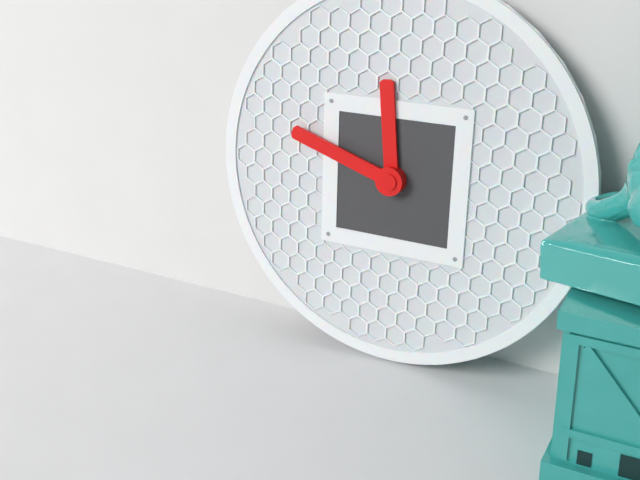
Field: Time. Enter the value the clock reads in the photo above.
11:48
